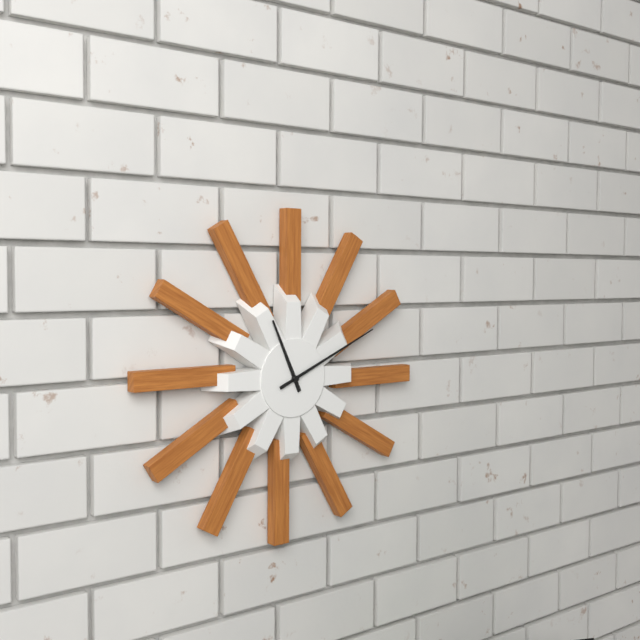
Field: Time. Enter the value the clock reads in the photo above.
11:11
